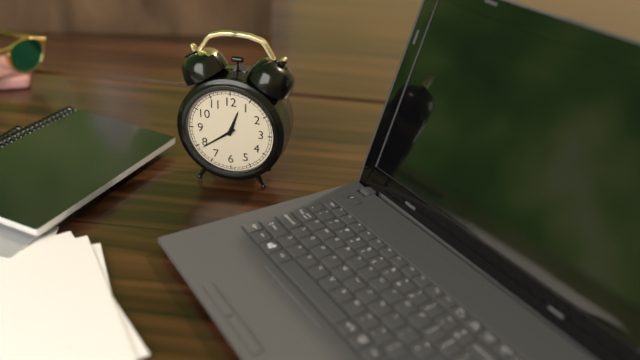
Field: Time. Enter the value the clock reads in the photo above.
12:39
